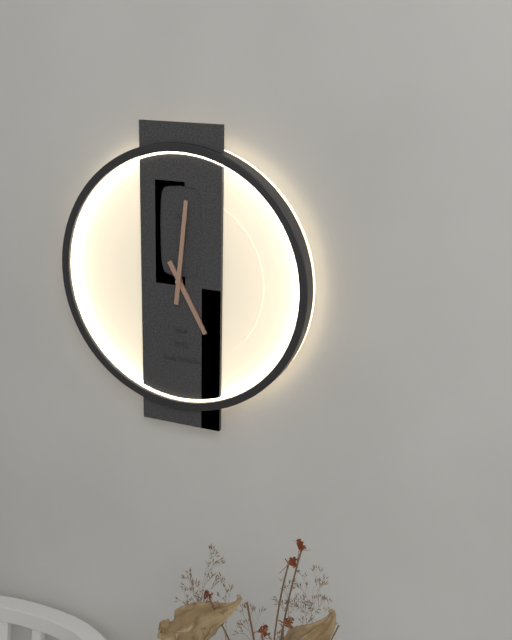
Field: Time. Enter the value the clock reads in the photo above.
5:01
